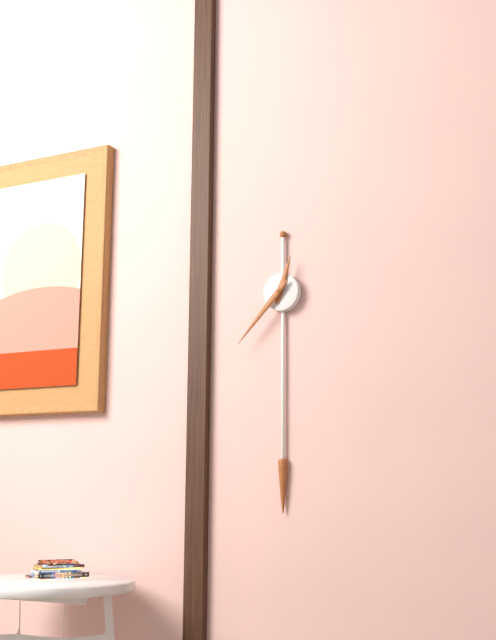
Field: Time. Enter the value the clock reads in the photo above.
12:37
